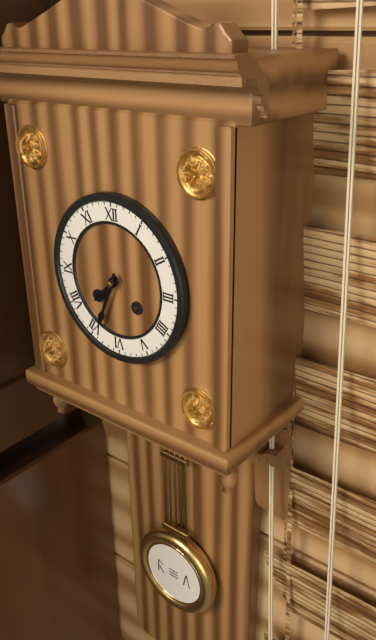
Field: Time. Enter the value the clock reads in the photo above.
7:34
